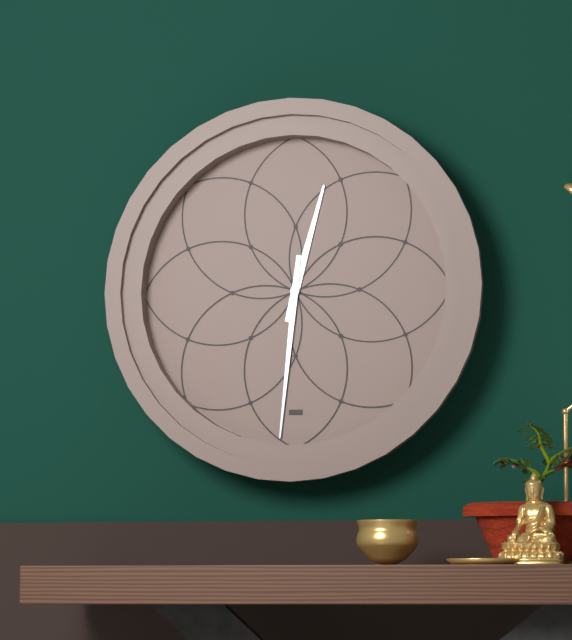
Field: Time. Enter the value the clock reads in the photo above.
12:31
